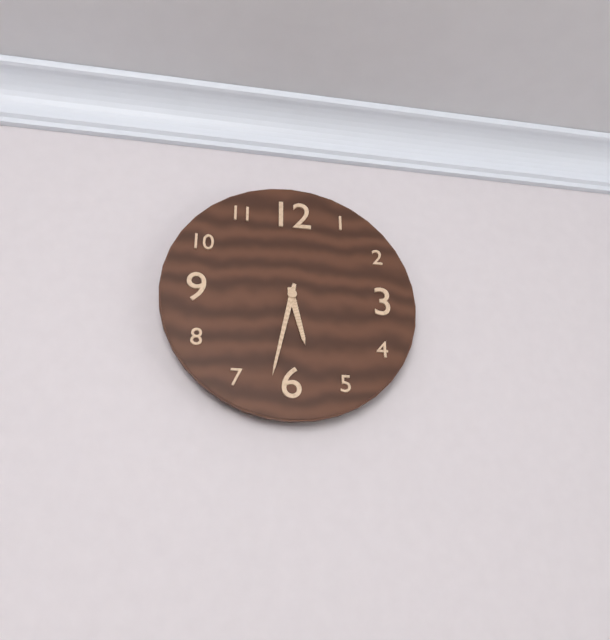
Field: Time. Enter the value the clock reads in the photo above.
5:32
